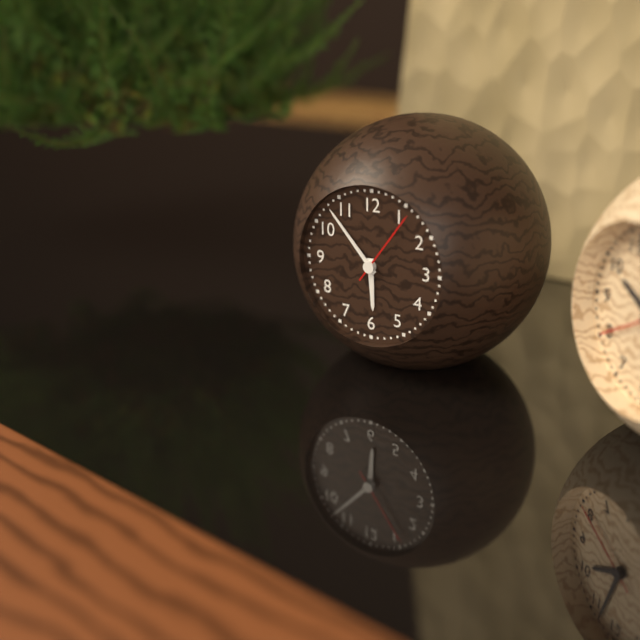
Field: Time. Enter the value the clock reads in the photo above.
5:53:06
